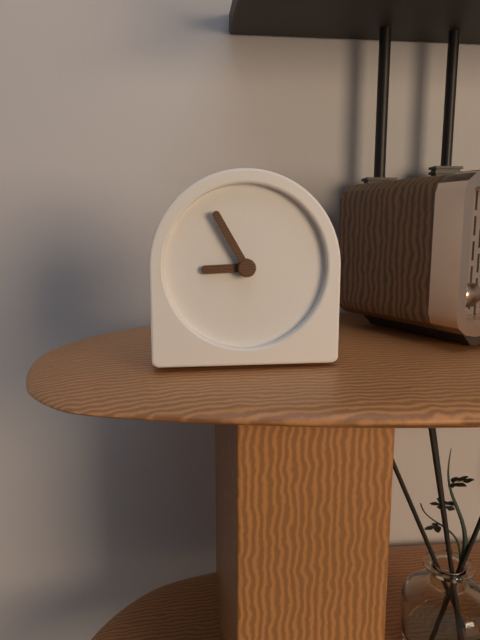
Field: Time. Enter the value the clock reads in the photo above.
8:55
